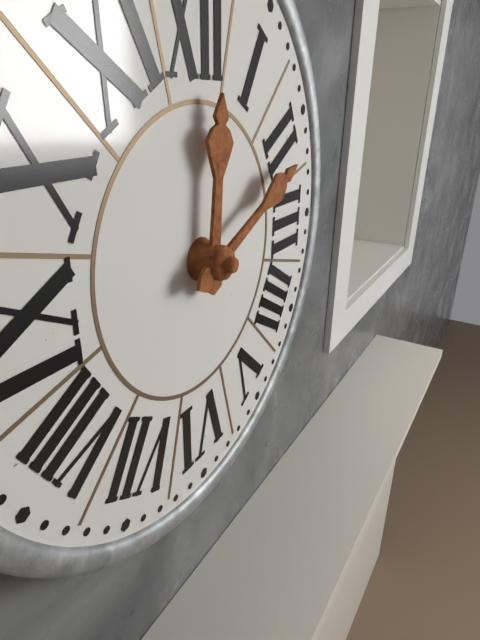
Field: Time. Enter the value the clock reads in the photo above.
12:11
